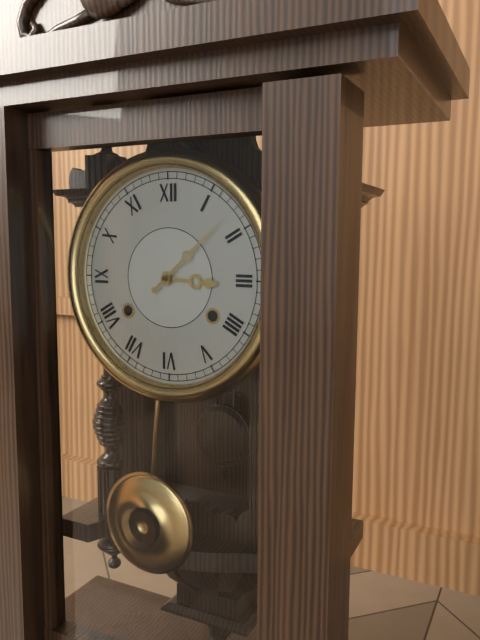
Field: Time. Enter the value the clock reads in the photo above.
3:08
